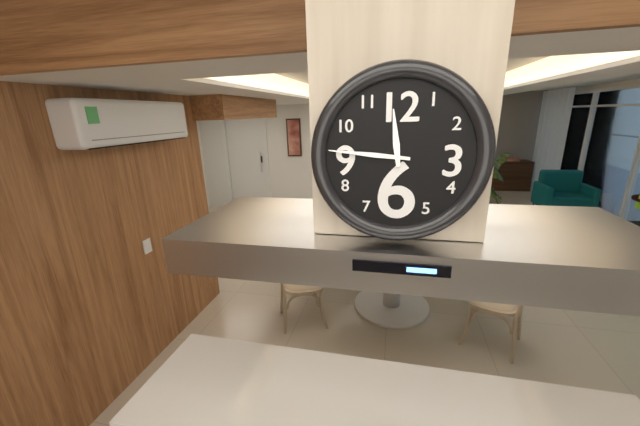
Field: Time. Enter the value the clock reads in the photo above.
11:46
